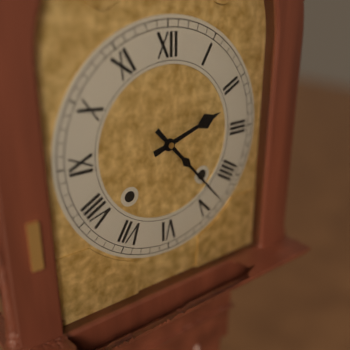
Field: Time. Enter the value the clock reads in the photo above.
2:23
